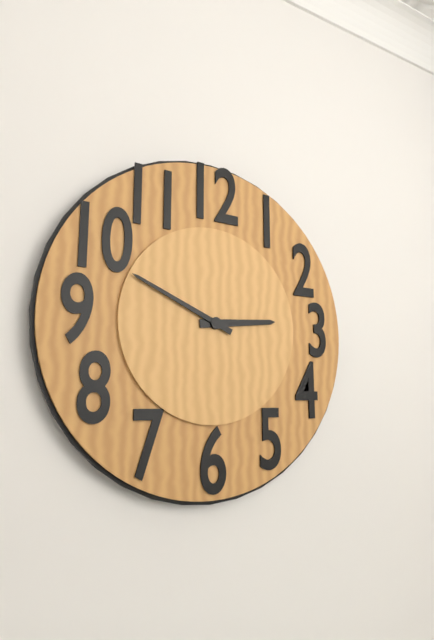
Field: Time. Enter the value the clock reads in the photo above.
2:49
